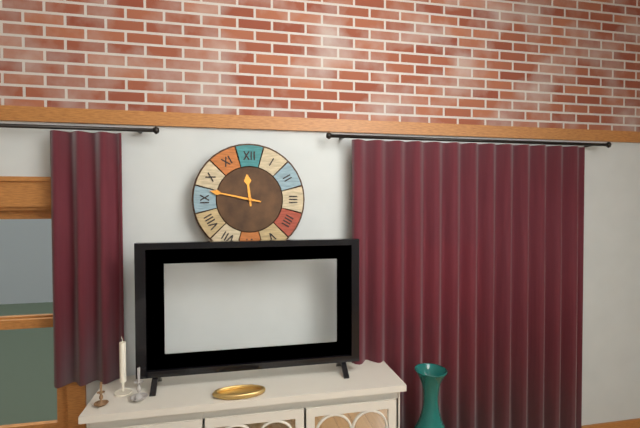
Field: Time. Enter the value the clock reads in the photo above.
11:47
